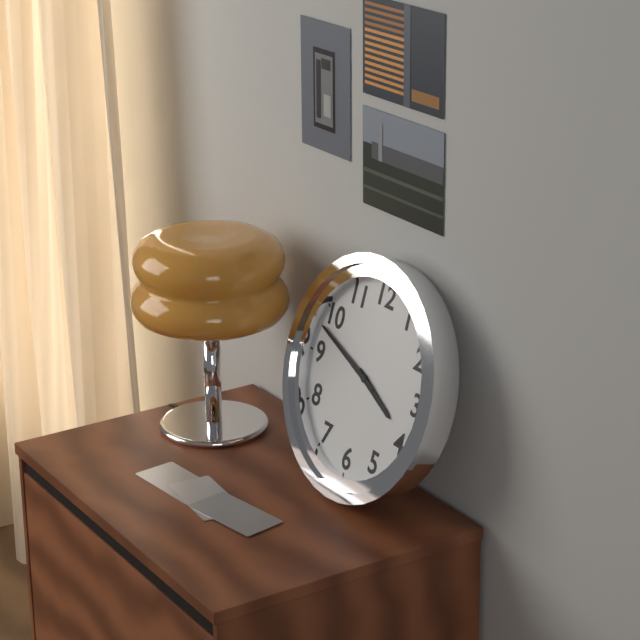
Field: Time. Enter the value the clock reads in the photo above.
3:48
